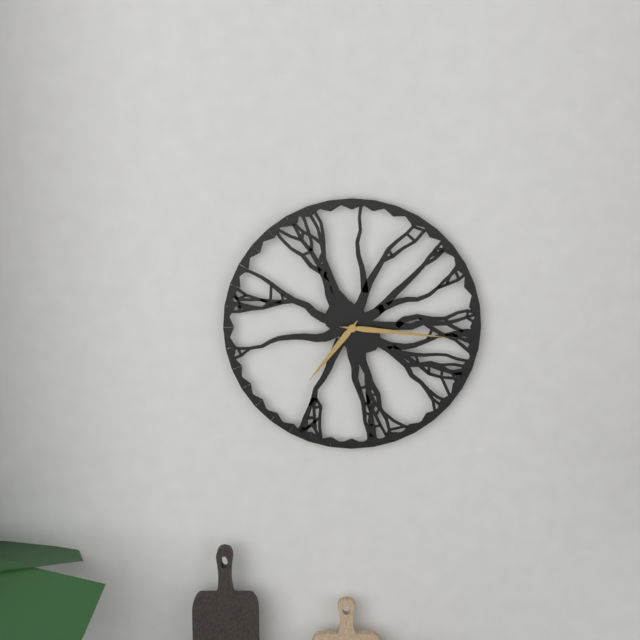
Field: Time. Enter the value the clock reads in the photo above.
7:16
